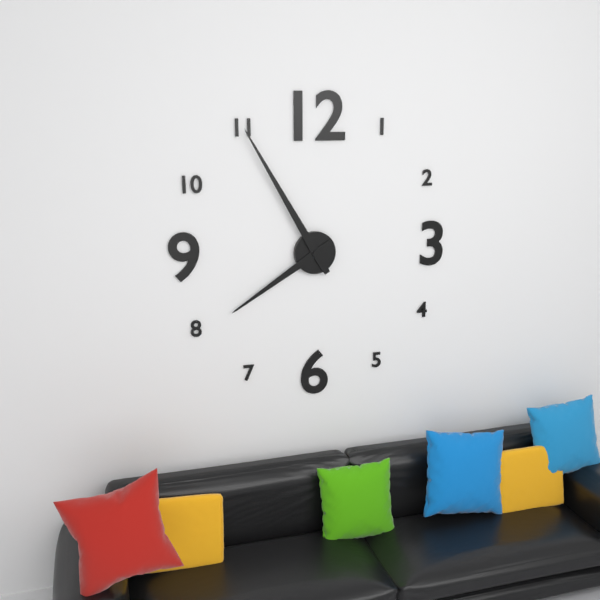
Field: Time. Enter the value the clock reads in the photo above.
7:55
